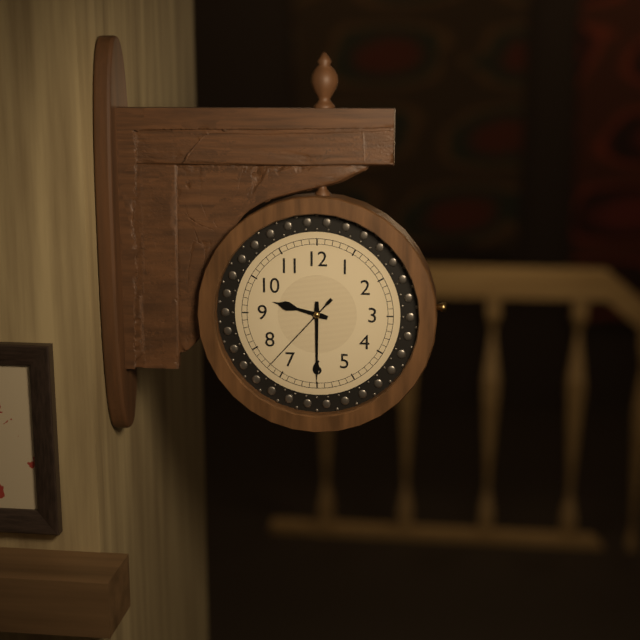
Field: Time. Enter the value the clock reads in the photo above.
9:30:37
